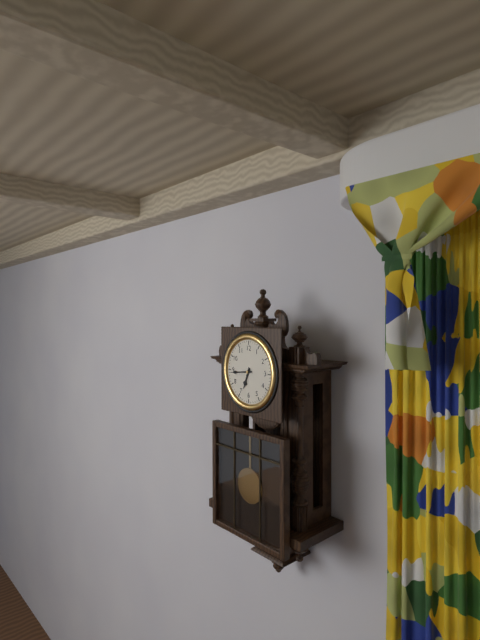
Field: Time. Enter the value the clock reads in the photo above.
6:44
